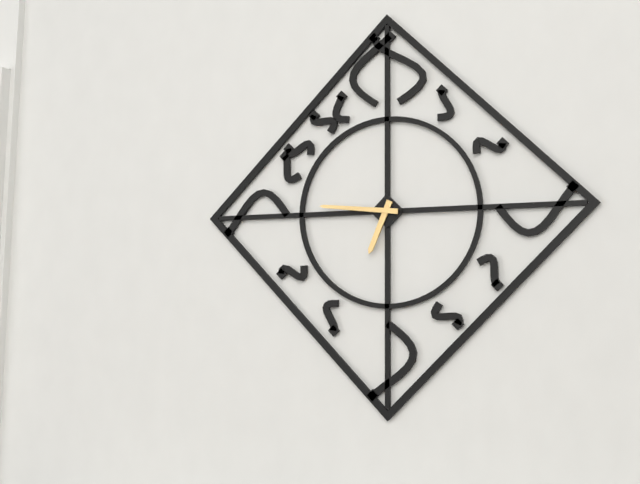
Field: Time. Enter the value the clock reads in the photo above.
6:46
